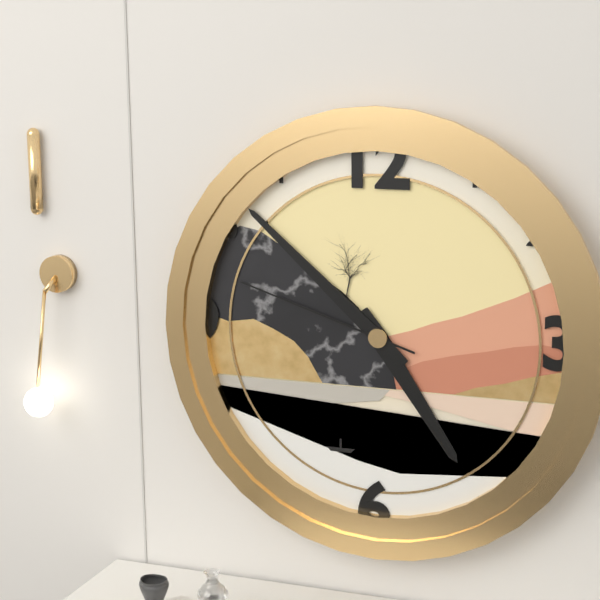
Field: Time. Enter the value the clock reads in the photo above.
4:52:48
